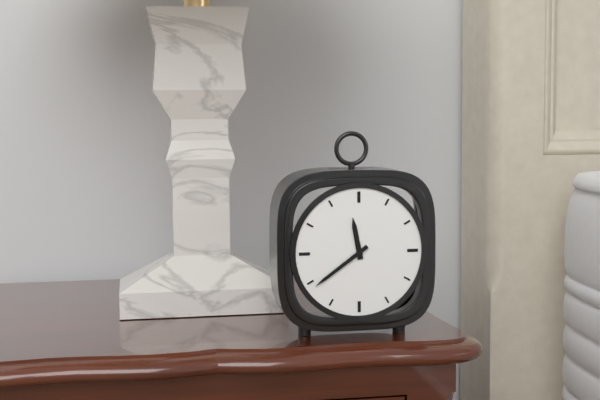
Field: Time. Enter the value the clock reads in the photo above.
11:39
